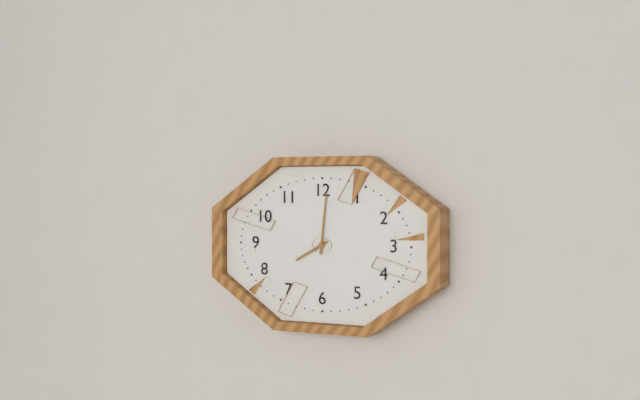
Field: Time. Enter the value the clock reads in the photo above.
8:01
